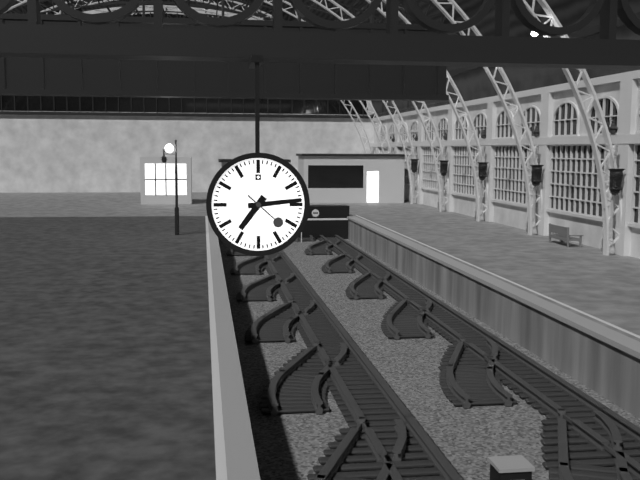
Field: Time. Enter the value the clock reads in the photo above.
7:14
